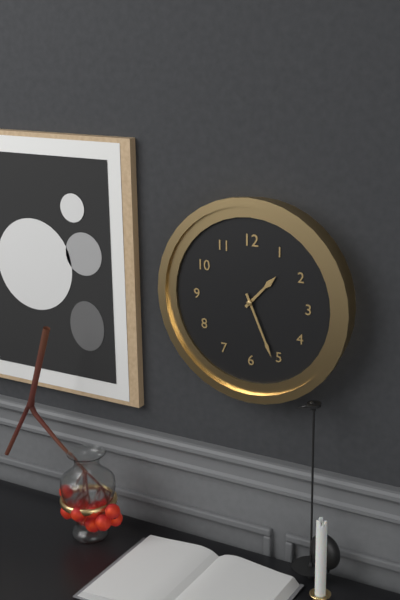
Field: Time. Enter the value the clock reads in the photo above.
1:26
